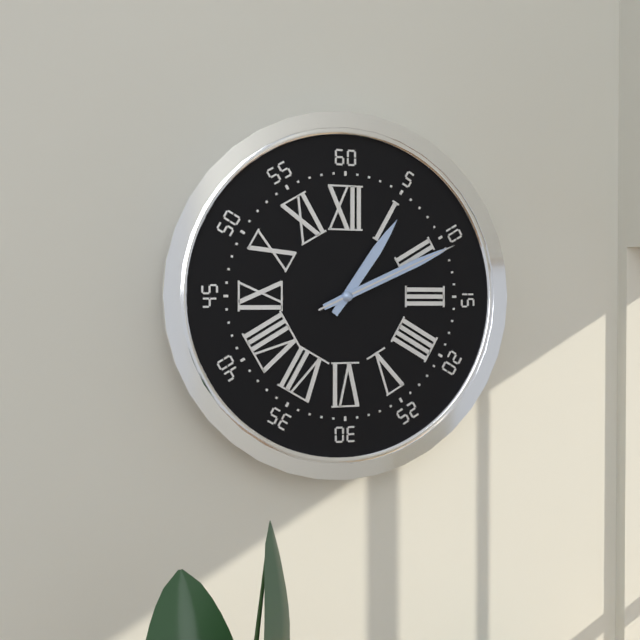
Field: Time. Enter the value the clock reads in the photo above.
1:11:11
